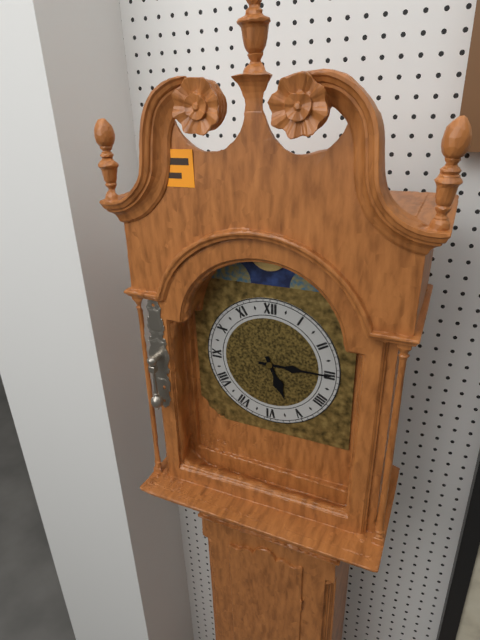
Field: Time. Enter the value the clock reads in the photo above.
5:15
